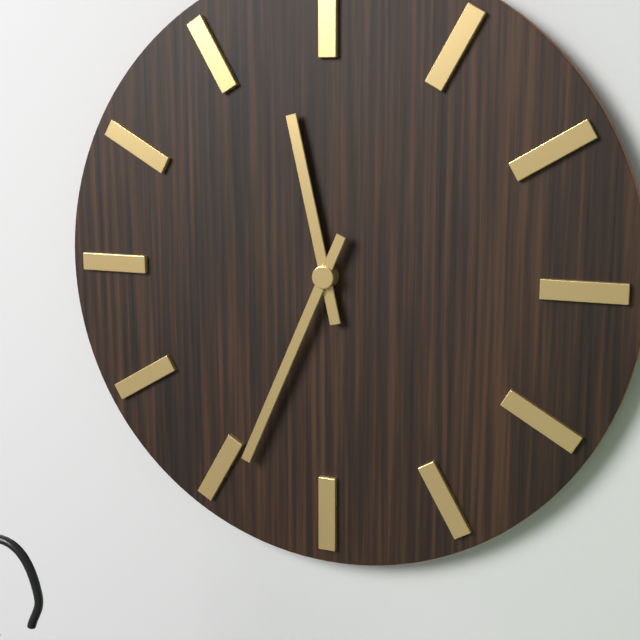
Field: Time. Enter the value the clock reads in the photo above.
11:34
